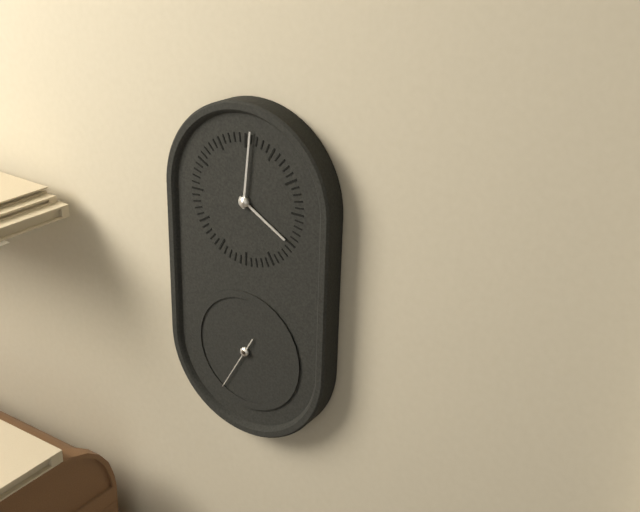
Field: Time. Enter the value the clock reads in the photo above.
4:01:35
